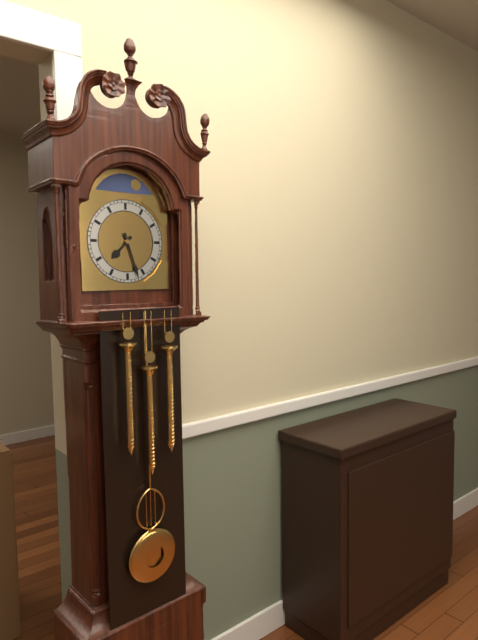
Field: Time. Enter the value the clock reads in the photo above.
7:27
